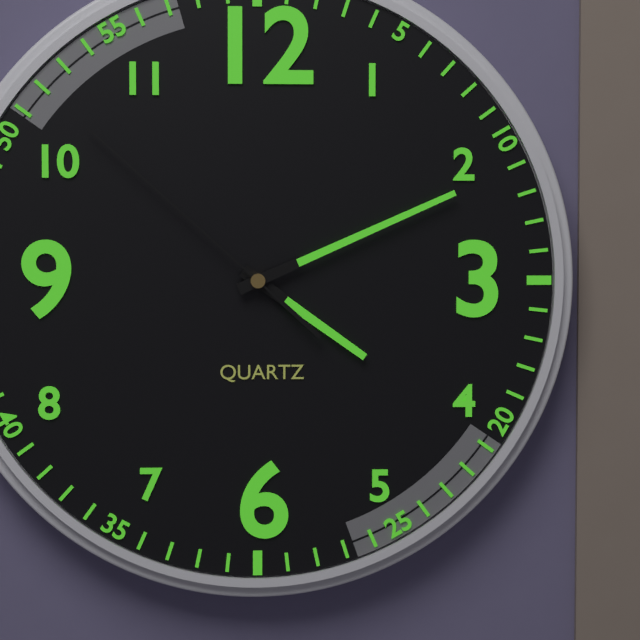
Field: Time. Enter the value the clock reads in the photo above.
4:11:52
